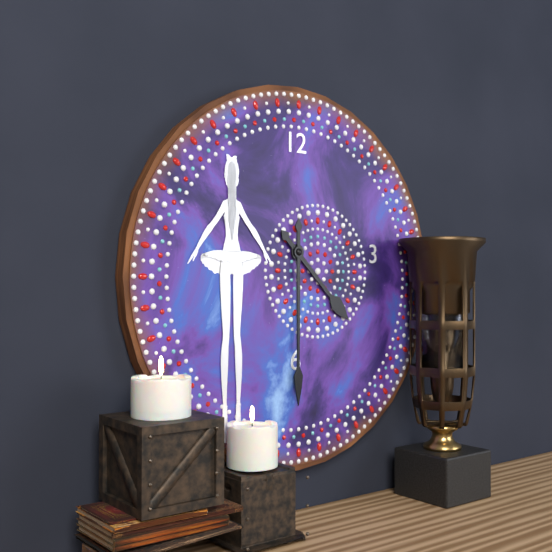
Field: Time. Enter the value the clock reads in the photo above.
4:30
